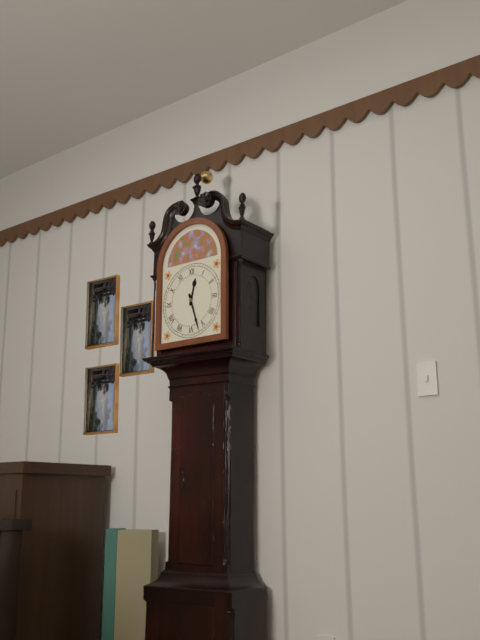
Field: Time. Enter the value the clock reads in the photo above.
12:27
